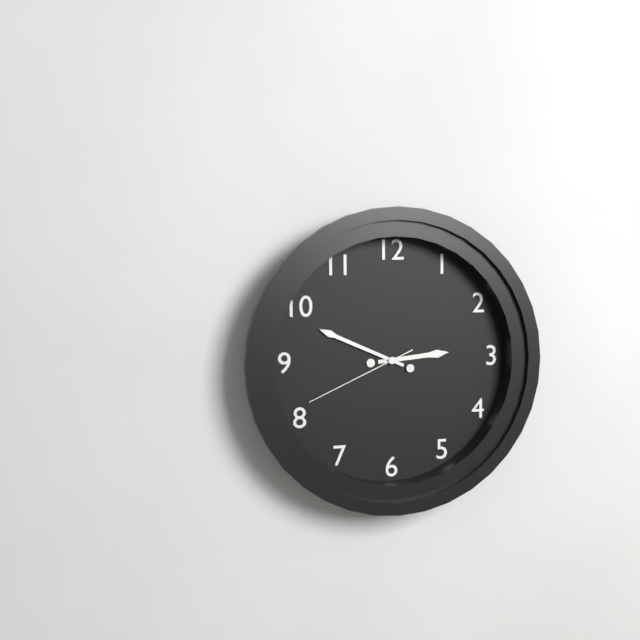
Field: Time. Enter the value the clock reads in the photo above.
2:49:41
